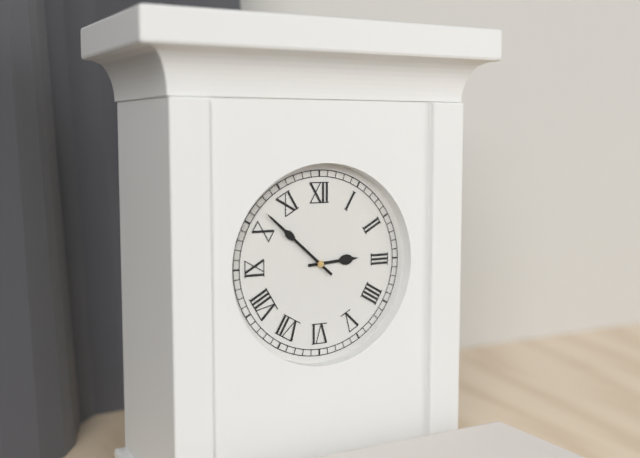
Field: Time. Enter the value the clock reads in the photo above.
2:52
